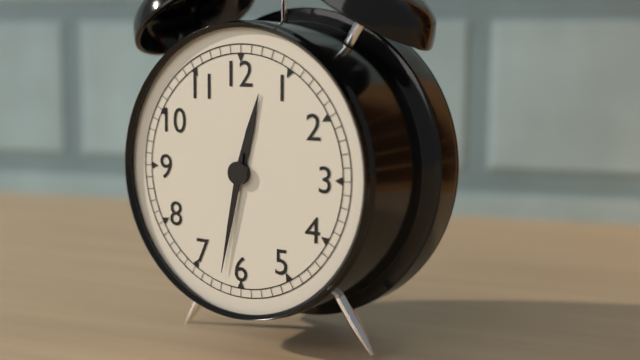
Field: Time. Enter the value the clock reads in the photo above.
12:32
